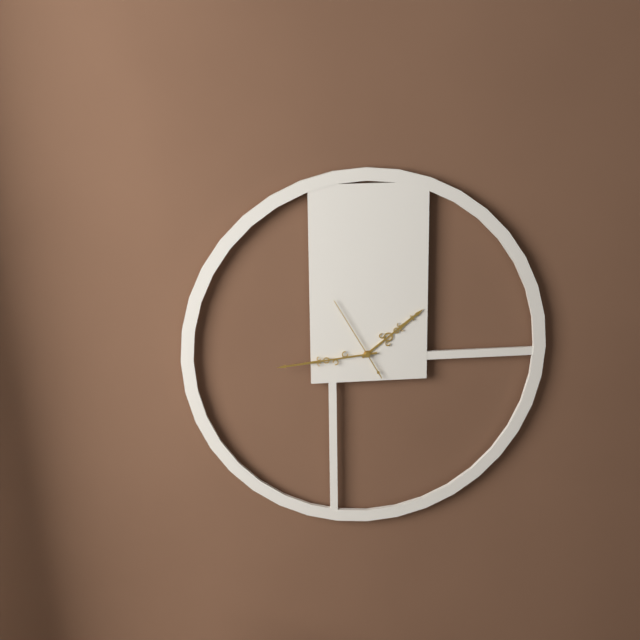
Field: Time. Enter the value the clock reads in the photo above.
1:44:55
